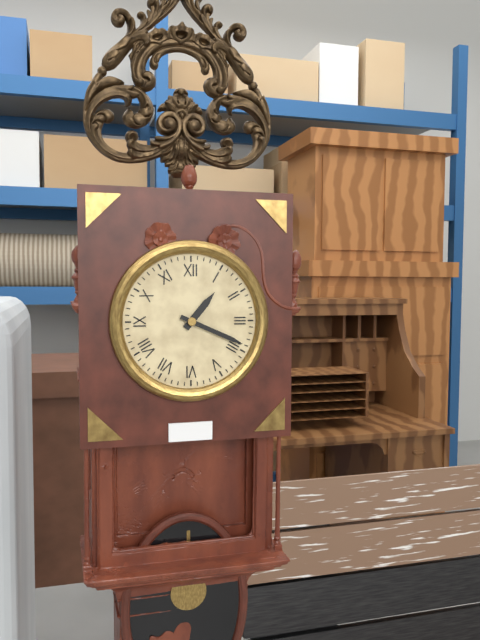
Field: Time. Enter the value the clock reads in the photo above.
1:19
